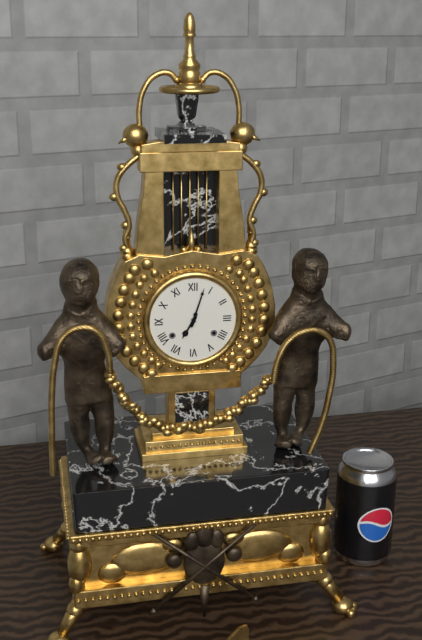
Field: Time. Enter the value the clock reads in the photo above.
7:03
